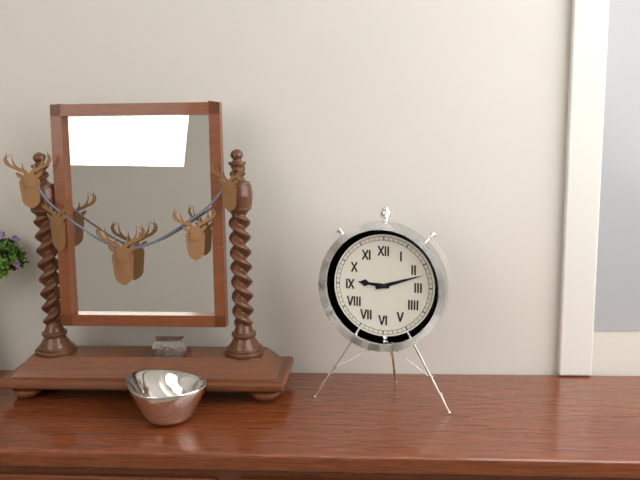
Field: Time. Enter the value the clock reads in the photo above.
9:12
